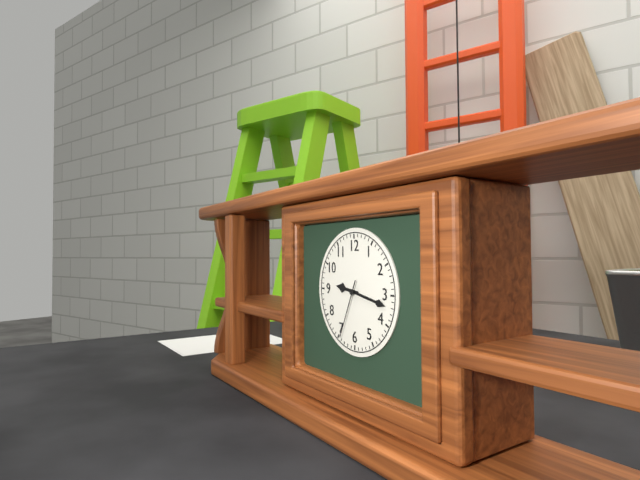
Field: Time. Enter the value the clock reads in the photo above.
9:17:34
